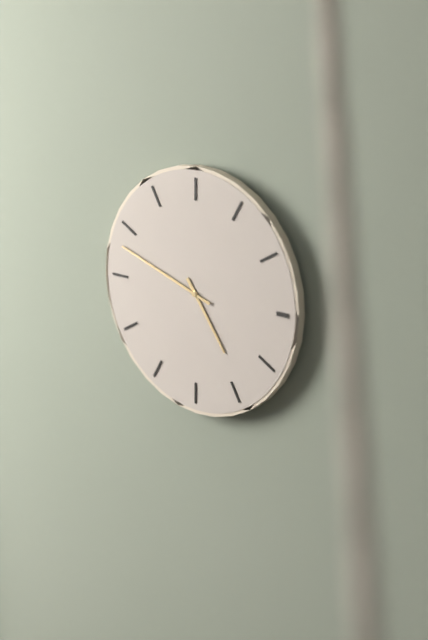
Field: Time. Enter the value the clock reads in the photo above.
4:48
